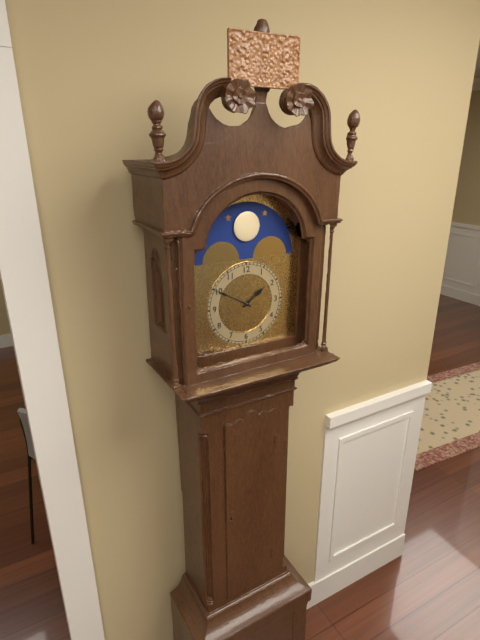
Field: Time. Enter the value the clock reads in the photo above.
1:50
